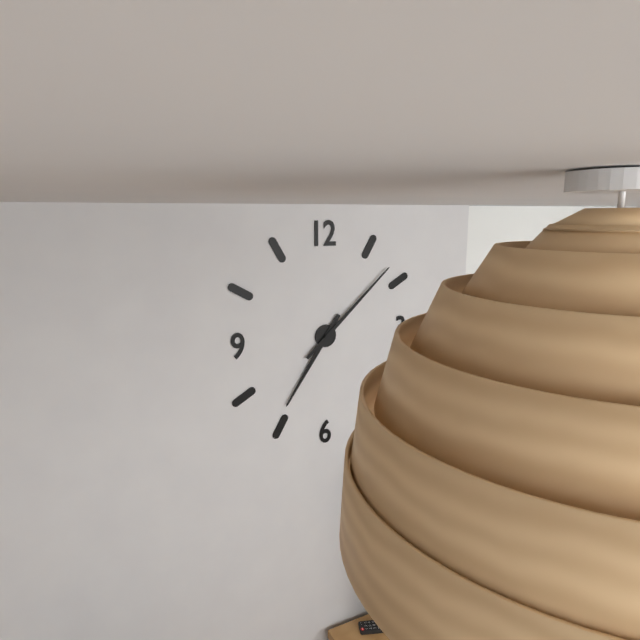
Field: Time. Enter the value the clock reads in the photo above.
7:08
